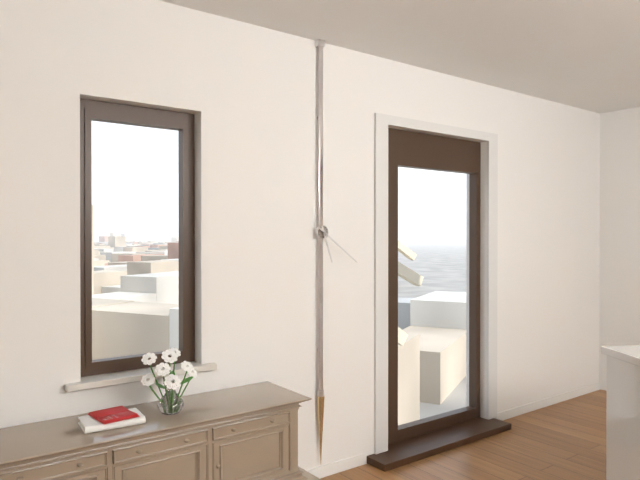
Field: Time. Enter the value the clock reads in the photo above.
5:21
